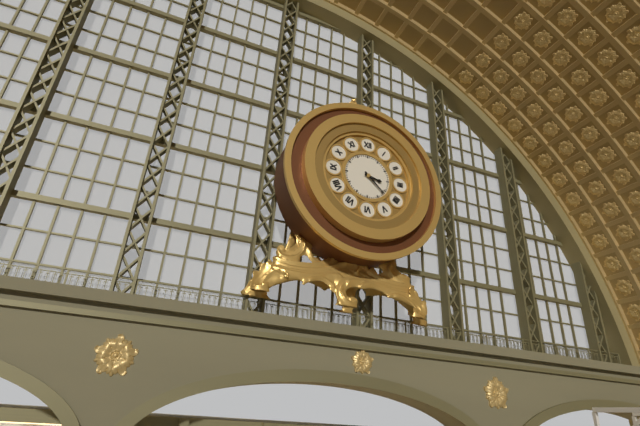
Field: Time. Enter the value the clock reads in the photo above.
3:22
